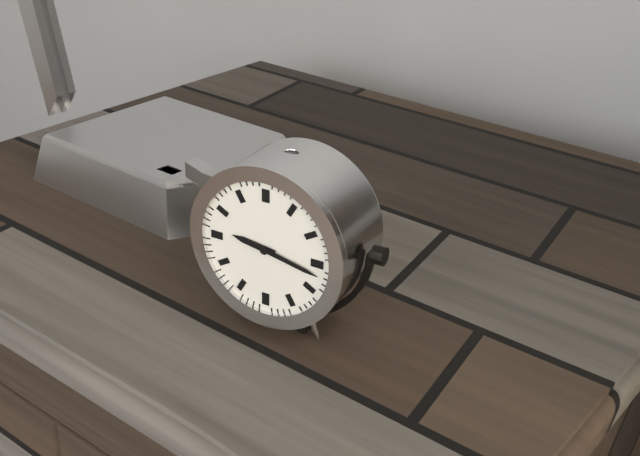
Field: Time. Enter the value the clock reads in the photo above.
9:17
